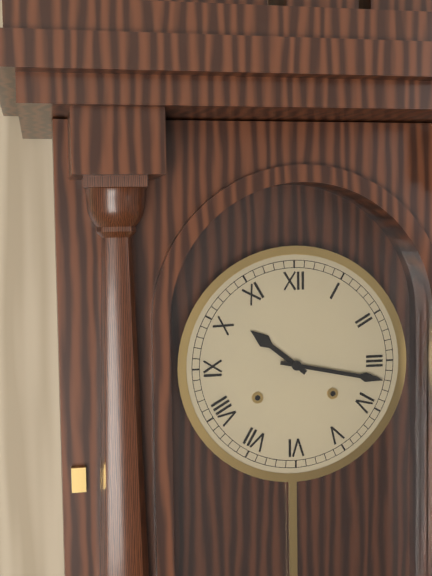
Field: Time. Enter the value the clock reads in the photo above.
10:17
